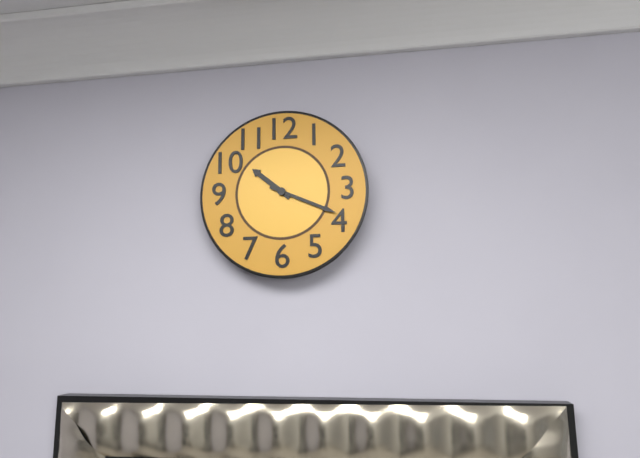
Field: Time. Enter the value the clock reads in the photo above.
10:19
